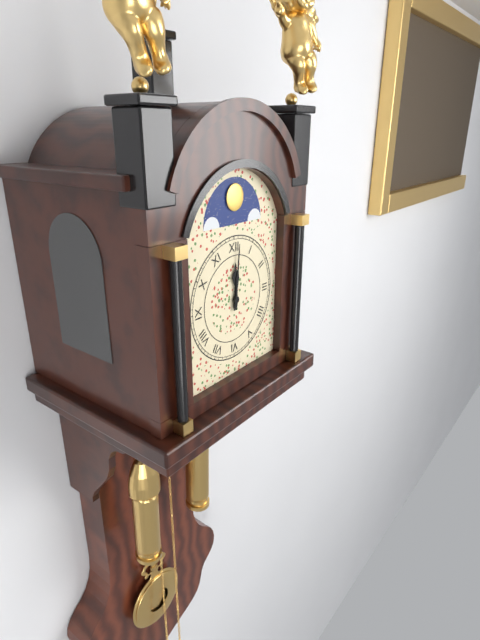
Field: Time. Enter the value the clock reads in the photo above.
12:01
